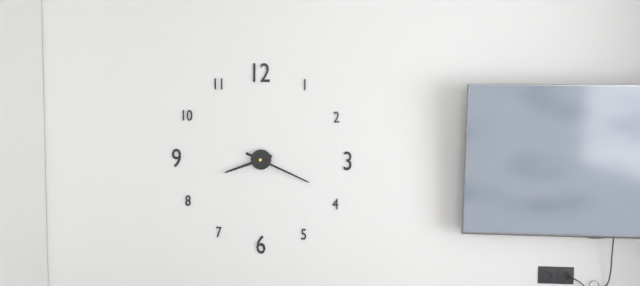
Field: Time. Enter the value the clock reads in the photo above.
8:19
